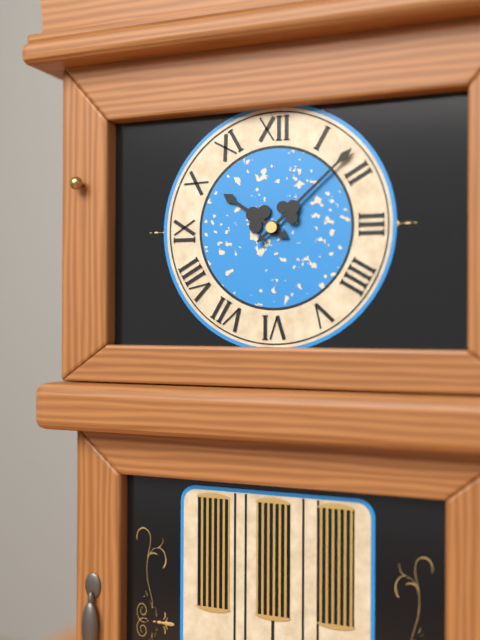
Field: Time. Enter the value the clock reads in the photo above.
10:08
